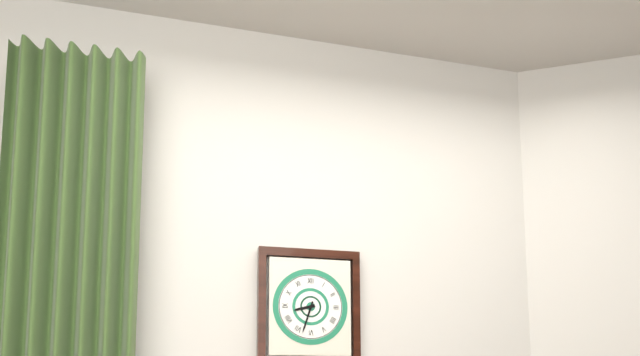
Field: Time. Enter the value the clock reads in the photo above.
8:33
